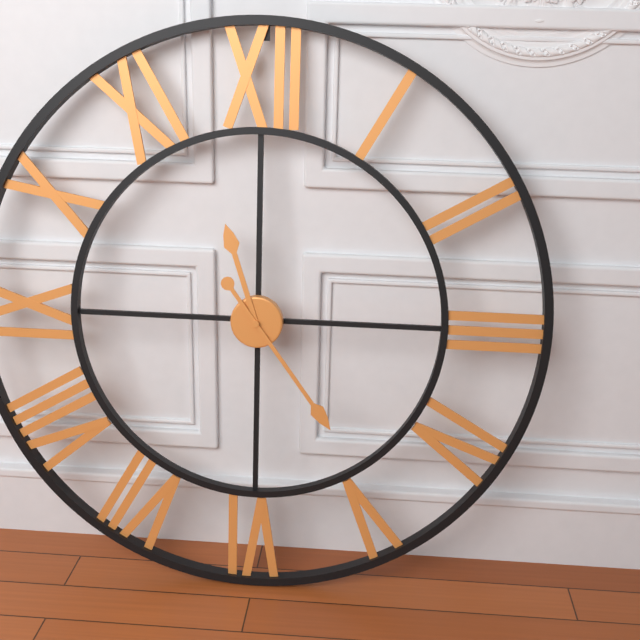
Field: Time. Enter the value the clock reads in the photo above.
11:24
